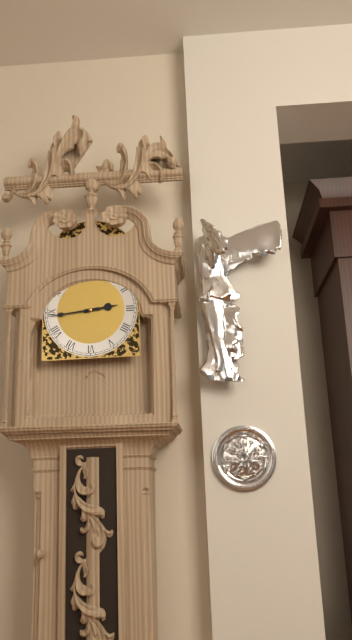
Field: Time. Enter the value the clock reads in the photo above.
2:44
